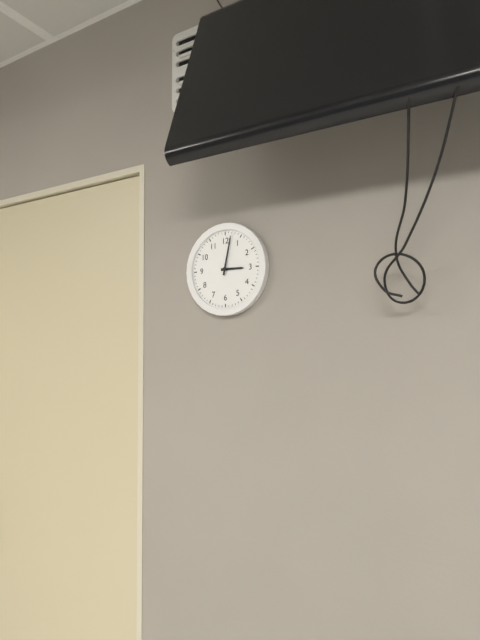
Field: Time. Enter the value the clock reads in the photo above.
3:02
